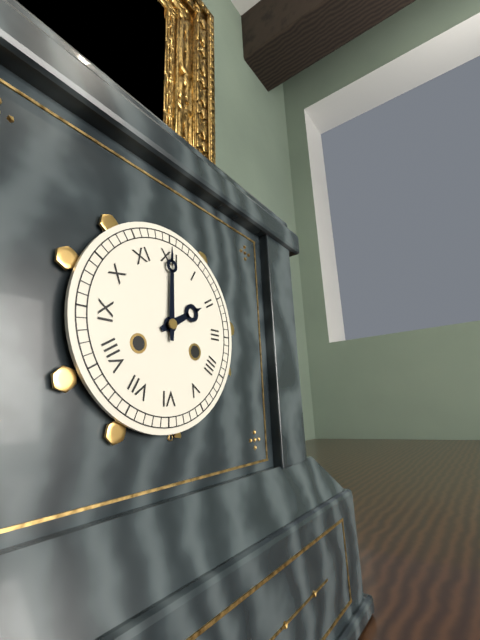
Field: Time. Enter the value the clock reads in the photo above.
2:00
